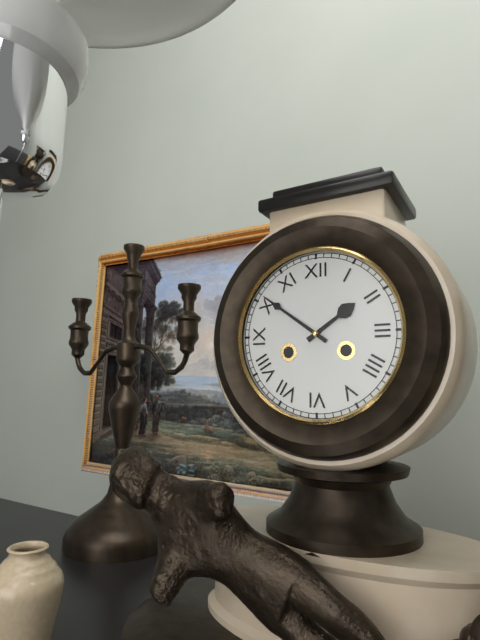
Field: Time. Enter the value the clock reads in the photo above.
1:51
